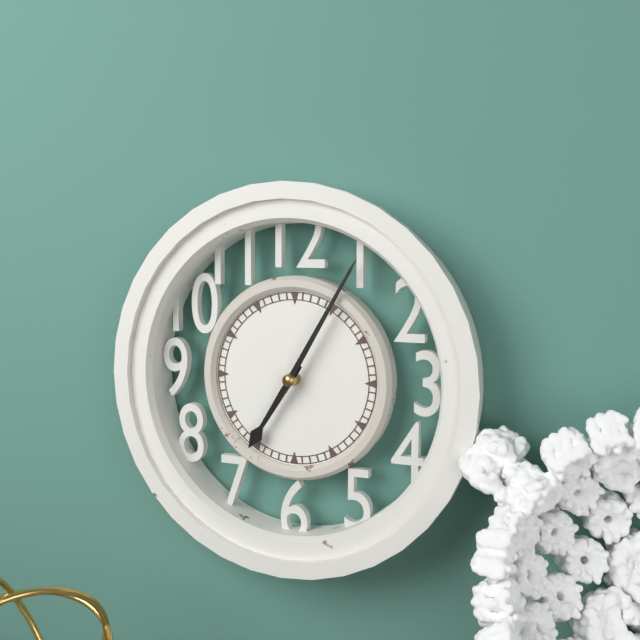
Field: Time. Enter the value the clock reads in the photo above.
7:05
